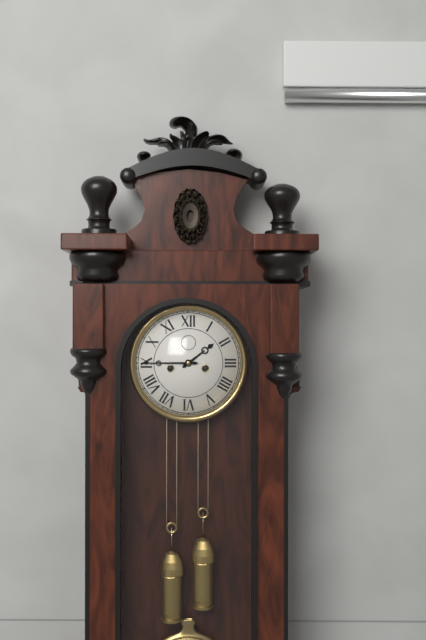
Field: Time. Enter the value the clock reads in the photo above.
1:45
